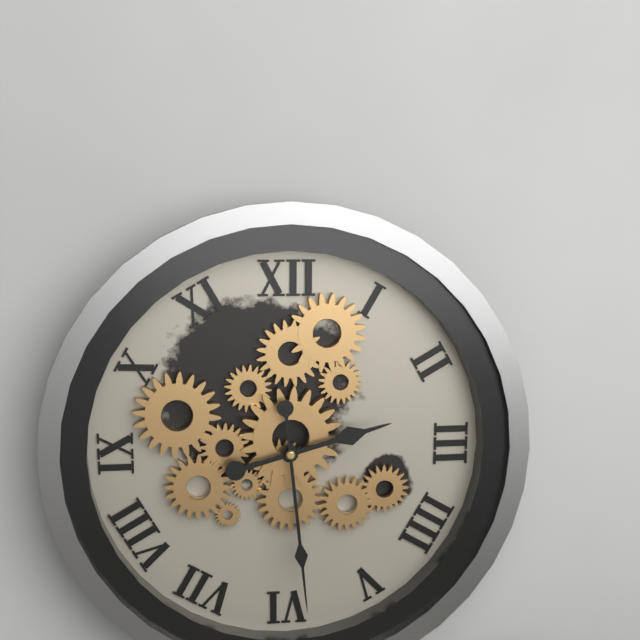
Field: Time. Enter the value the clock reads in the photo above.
2:29
